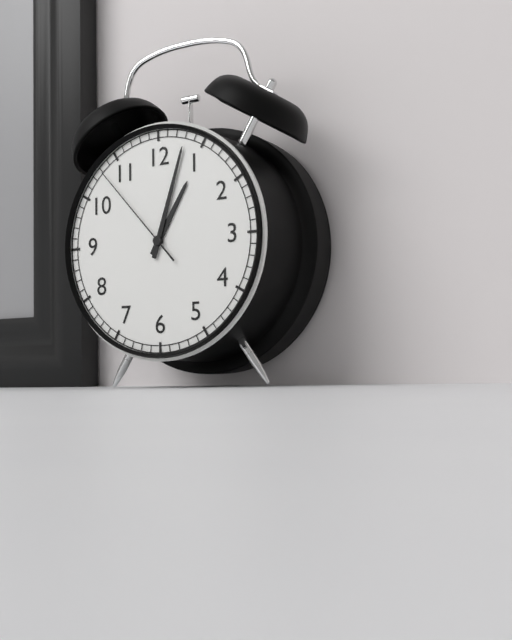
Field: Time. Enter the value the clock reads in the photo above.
1:03:53
